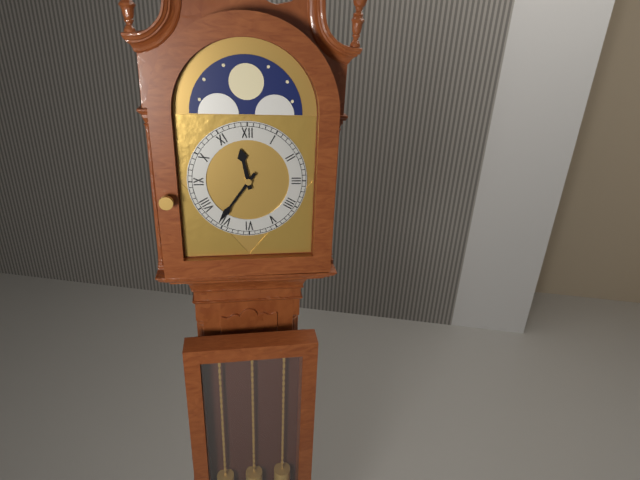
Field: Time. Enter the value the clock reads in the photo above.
11:36
